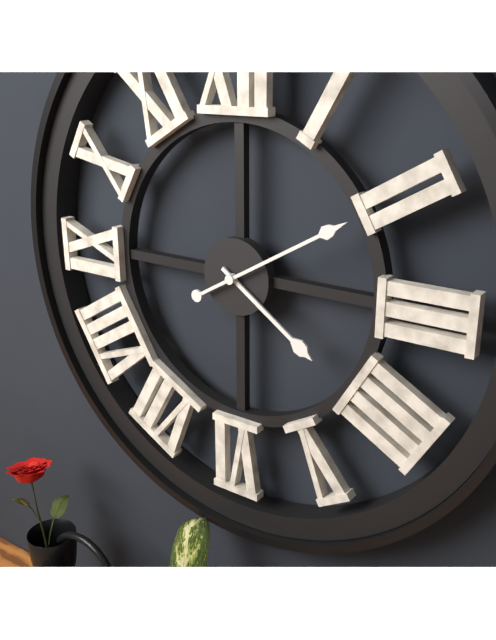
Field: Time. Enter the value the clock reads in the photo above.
4:10
